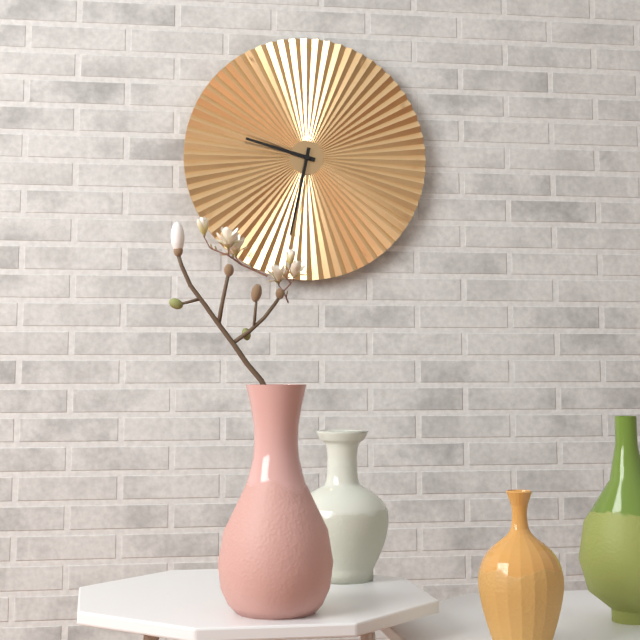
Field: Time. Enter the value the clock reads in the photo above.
9:32
